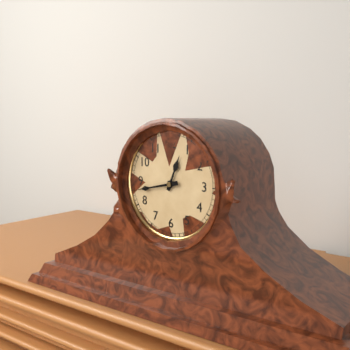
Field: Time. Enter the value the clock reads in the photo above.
12:43
